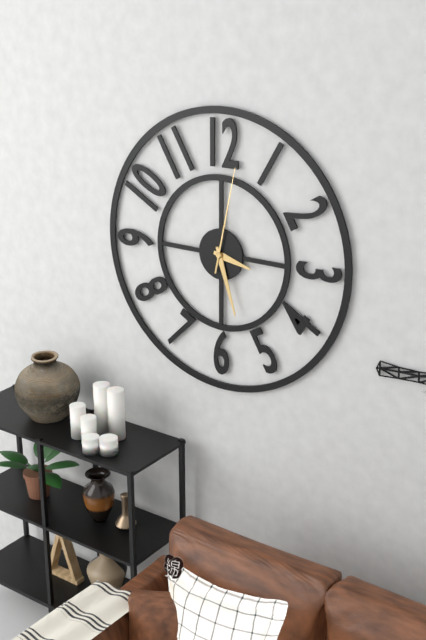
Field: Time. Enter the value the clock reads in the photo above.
3:27:02
